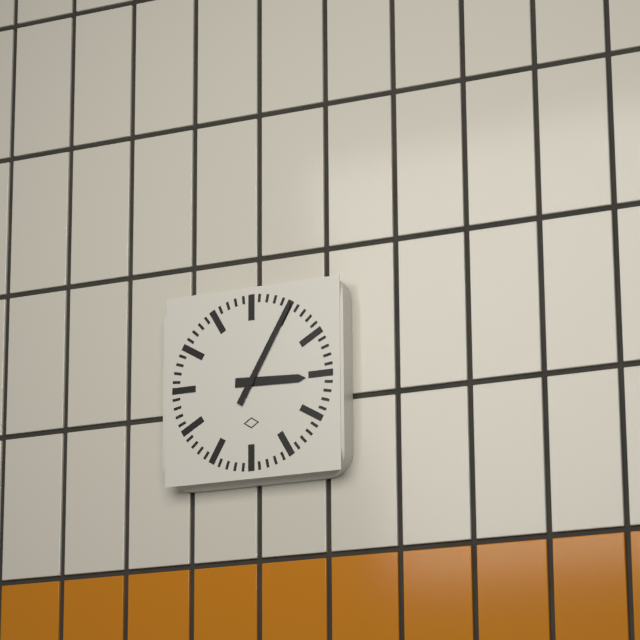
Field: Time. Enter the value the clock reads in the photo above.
3:05
